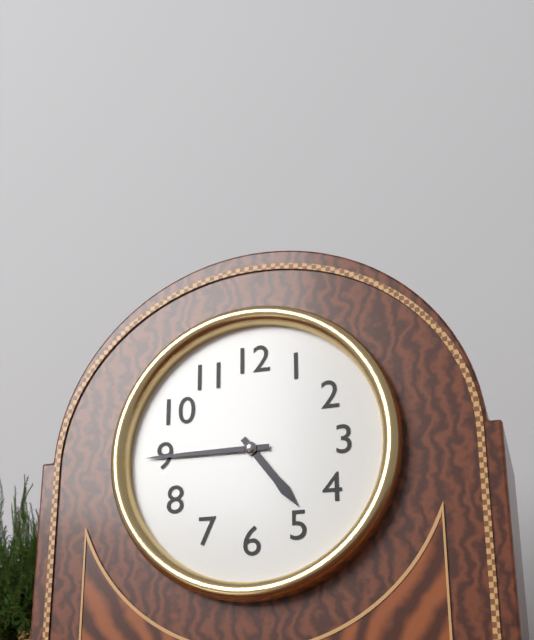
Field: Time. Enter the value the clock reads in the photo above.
4:45
